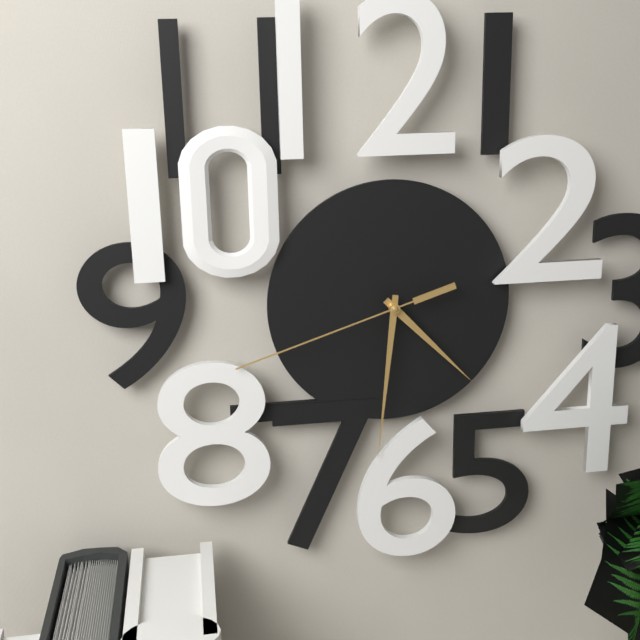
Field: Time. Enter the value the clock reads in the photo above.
4:31:42
